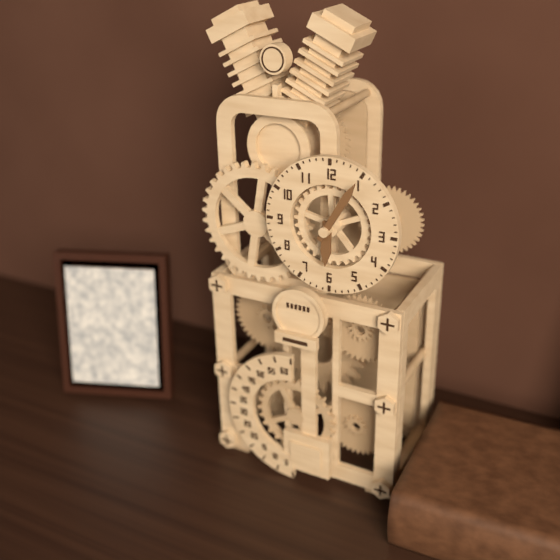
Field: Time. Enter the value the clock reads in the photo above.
6:05
